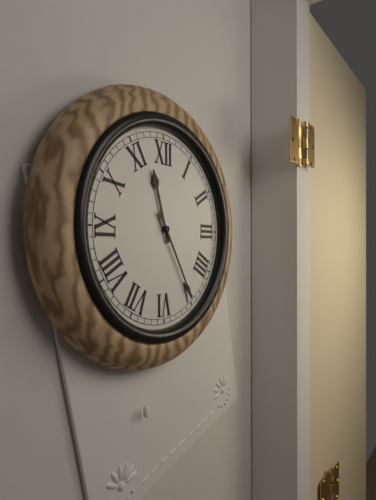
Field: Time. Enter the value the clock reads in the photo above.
11:25
